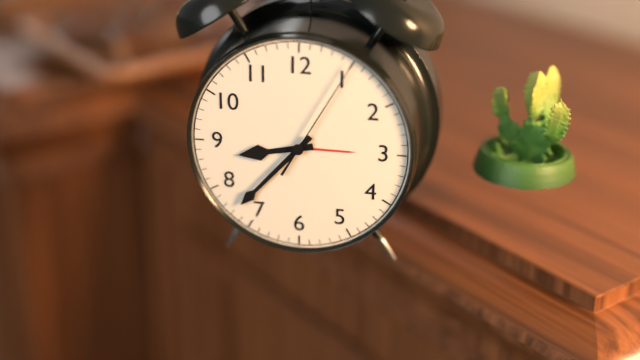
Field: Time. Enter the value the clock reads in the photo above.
8:37:05
